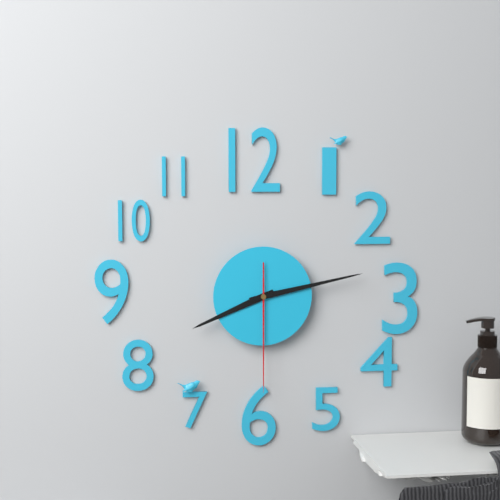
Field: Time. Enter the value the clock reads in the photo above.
8:13:30
